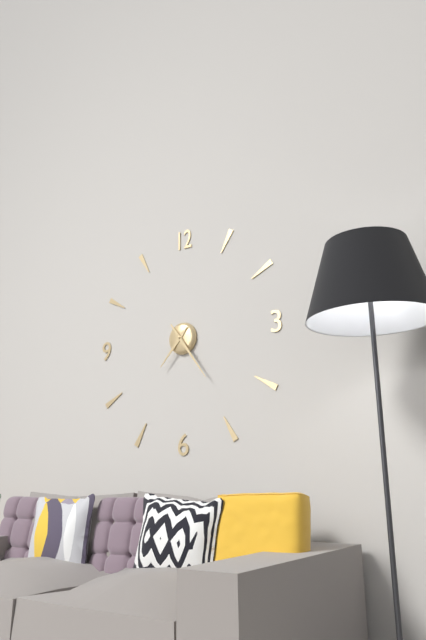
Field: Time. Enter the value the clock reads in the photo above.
7:24
